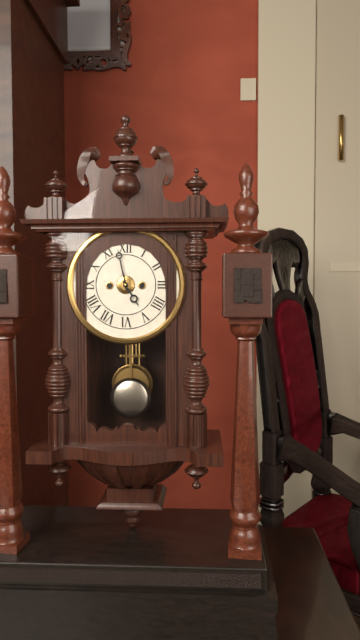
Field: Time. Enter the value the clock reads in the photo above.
4:58
